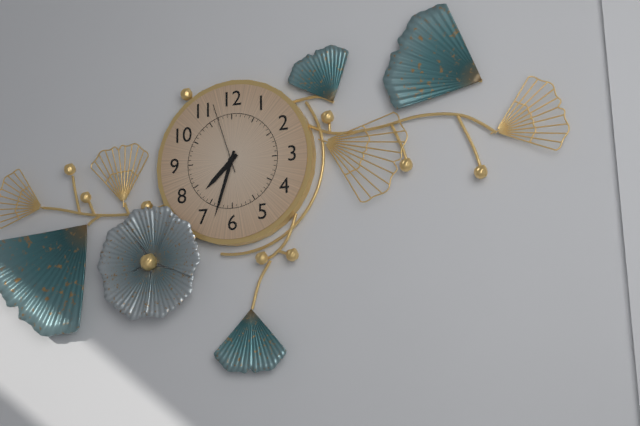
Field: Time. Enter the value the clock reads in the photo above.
7:33:57
